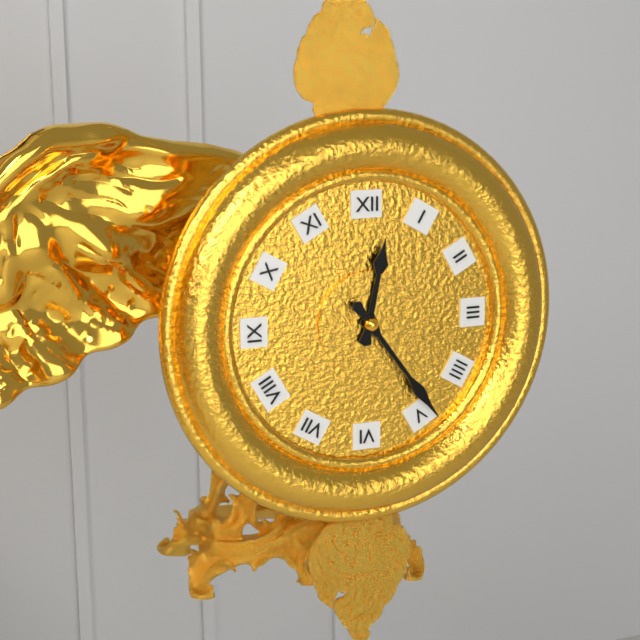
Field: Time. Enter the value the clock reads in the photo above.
12:24
